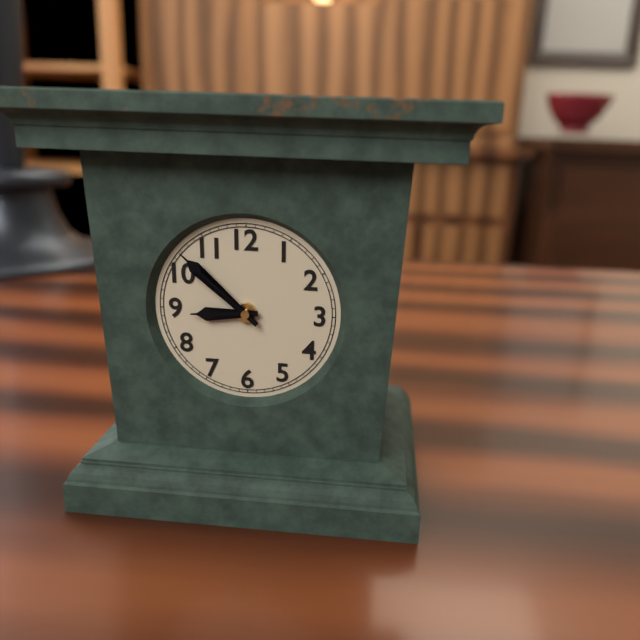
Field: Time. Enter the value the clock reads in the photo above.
8:52
